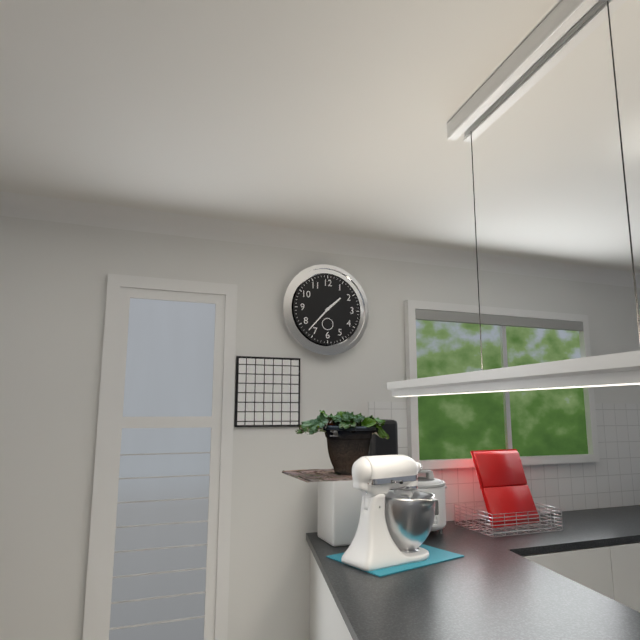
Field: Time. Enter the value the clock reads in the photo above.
1:37
